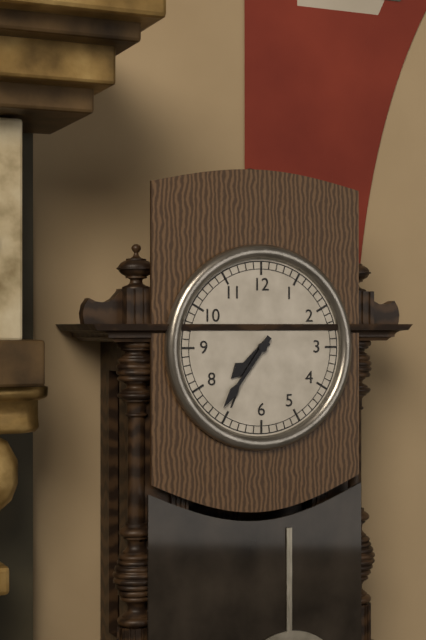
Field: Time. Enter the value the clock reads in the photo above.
7:36
